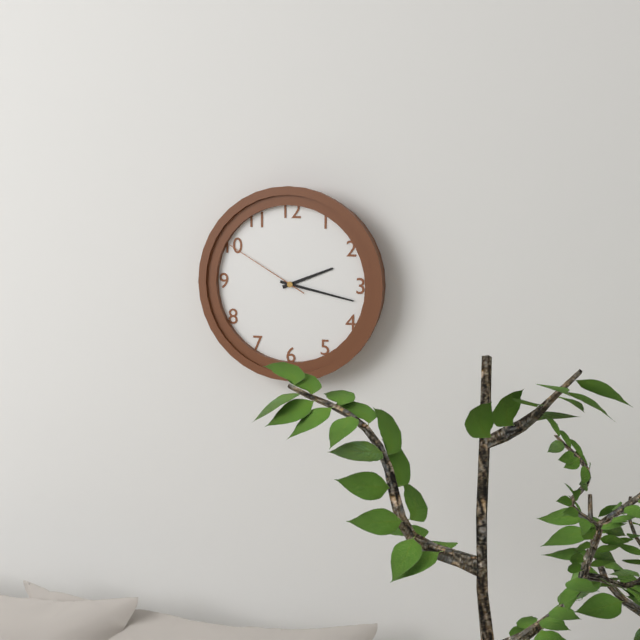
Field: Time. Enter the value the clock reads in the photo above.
2:17:50
